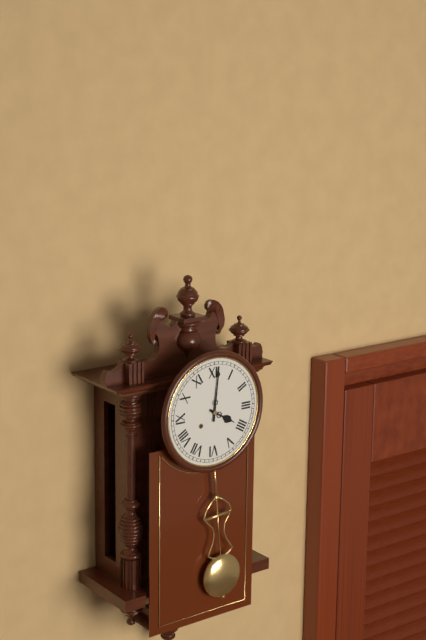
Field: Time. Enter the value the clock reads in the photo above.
4:01
